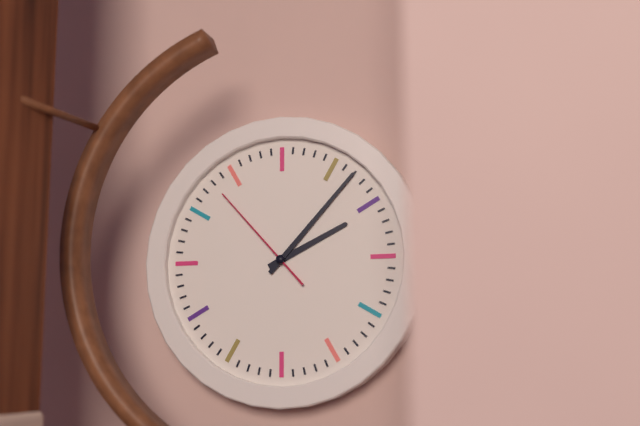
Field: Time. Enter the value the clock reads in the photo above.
2:07:53
